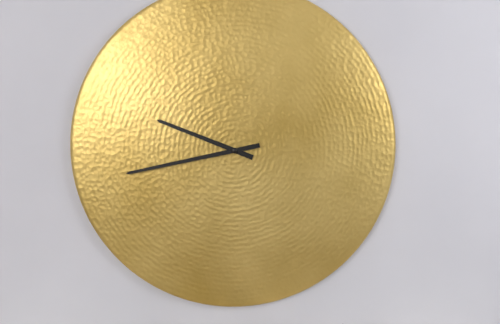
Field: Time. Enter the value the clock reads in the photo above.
9:43
